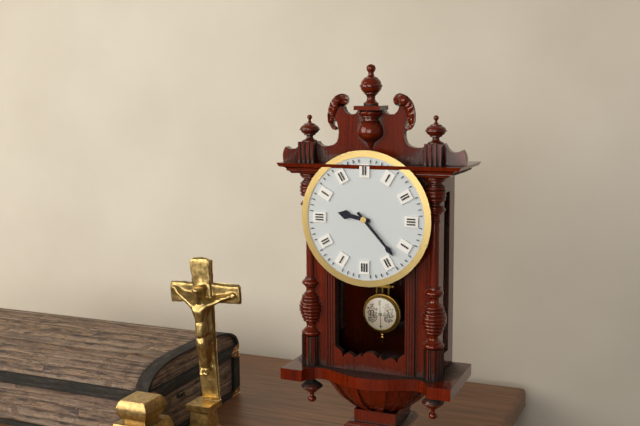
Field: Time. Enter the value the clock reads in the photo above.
9:23
